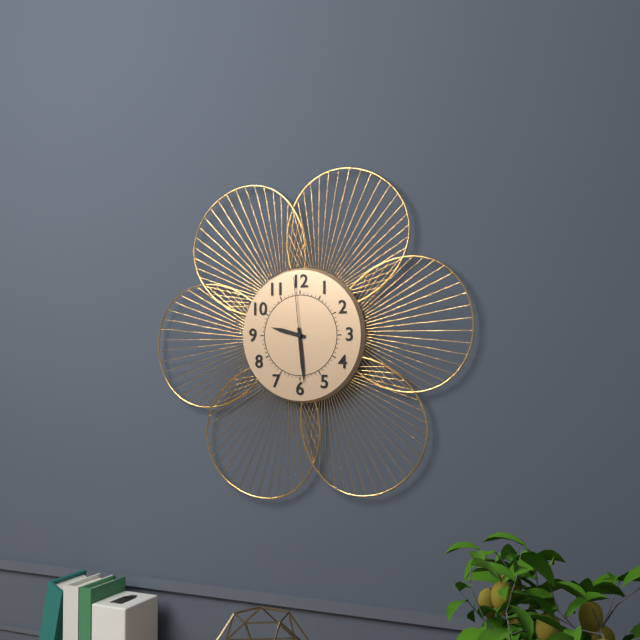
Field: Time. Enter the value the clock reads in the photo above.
9:29:59
